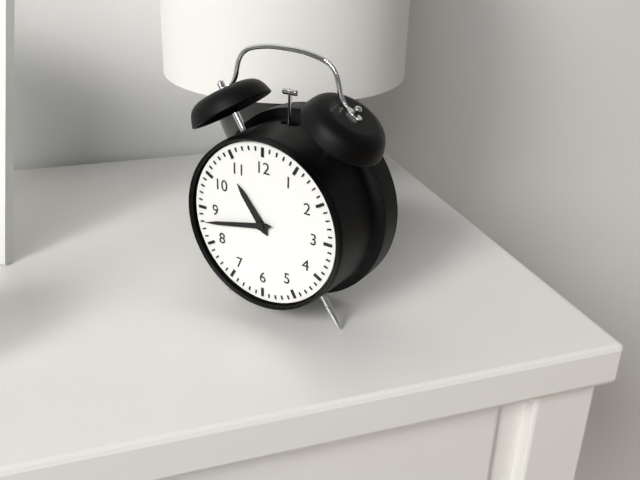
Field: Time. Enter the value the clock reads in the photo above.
10:43
